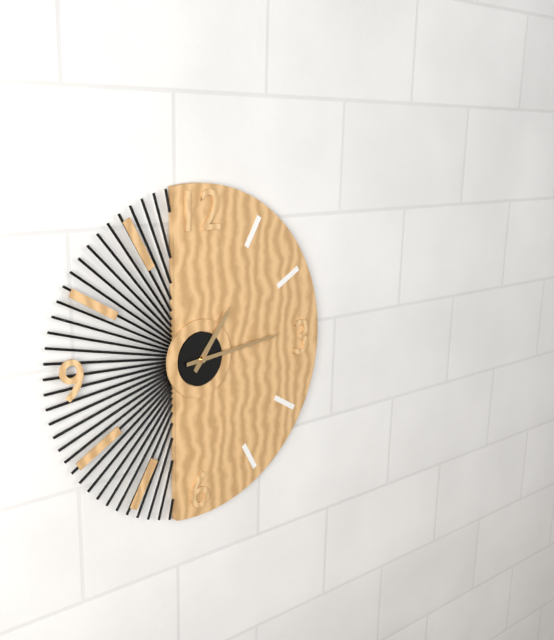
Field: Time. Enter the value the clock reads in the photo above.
1:14
